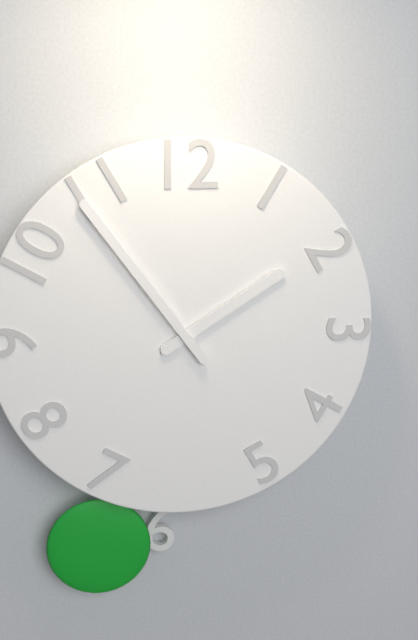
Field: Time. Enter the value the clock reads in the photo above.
1:54
